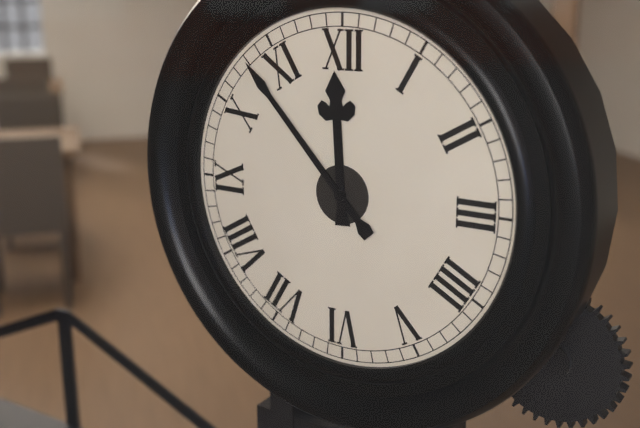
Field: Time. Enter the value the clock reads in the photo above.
11:53
